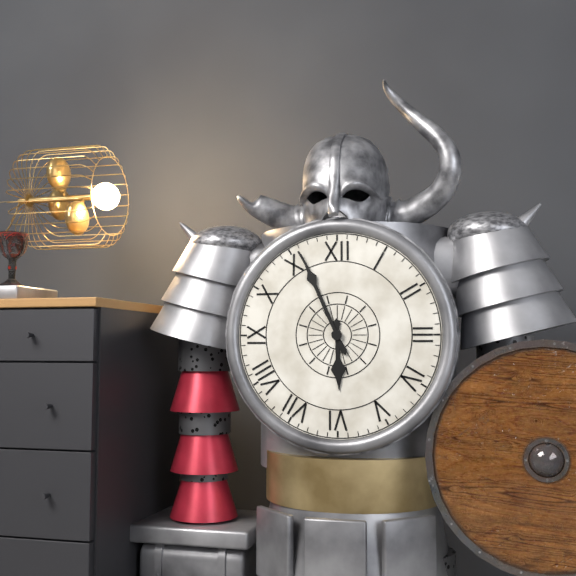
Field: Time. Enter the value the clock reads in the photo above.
5:56
